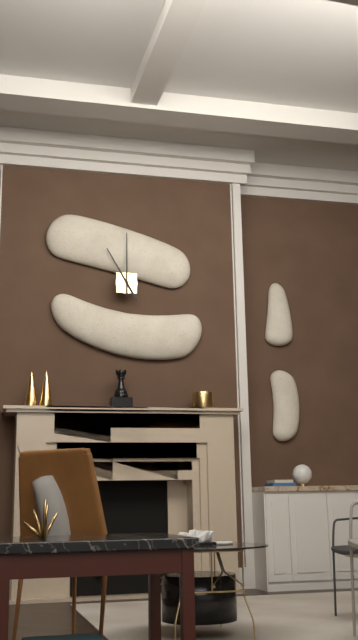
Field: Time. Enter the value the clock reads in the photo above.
11:00
